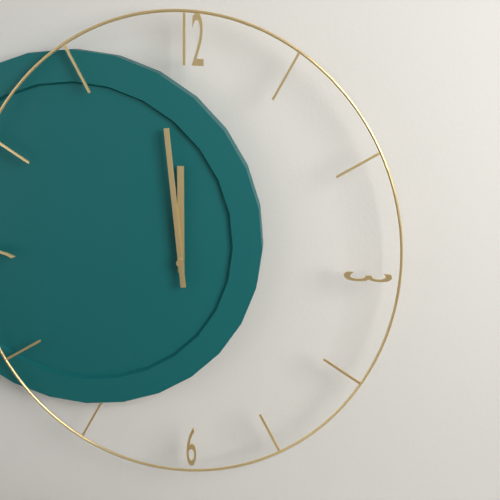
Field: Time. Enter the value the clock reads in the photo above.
11:59
